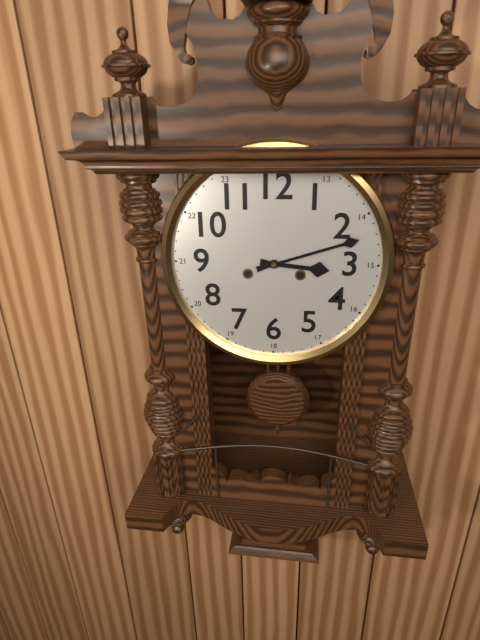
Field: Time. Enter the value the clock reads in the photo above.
3:12
